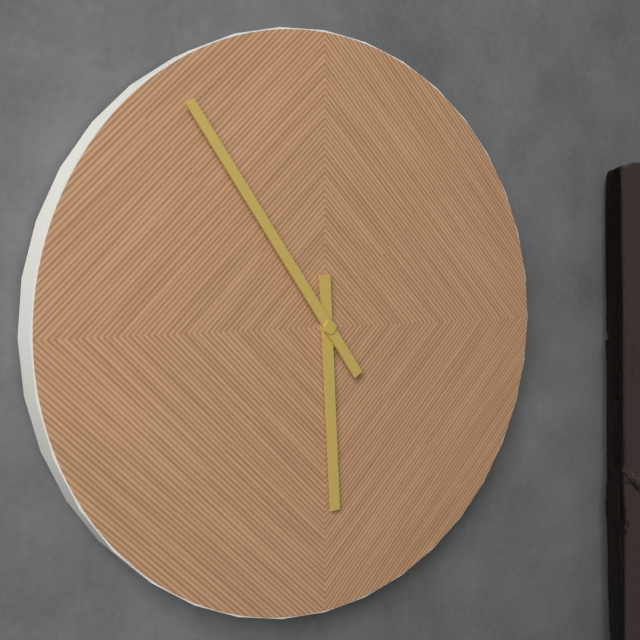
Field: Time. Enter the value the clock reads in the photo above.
5:54
